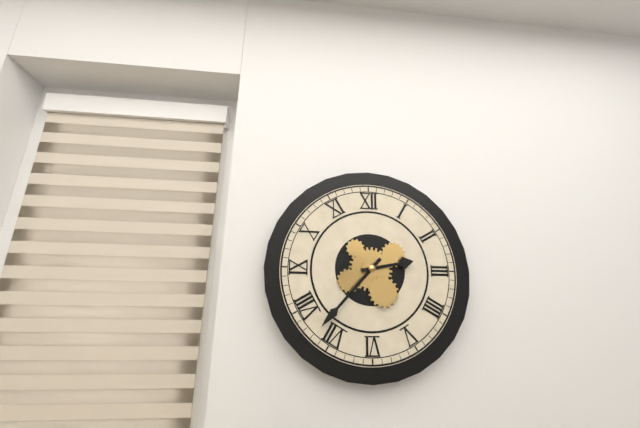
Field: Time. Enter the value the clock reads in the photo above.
2:37
